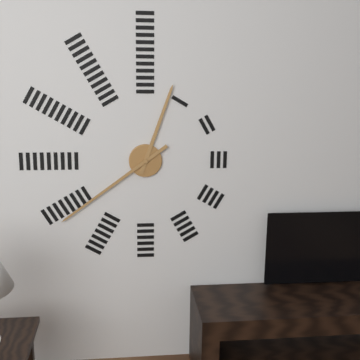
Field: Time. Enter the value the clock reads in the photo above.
12:39
